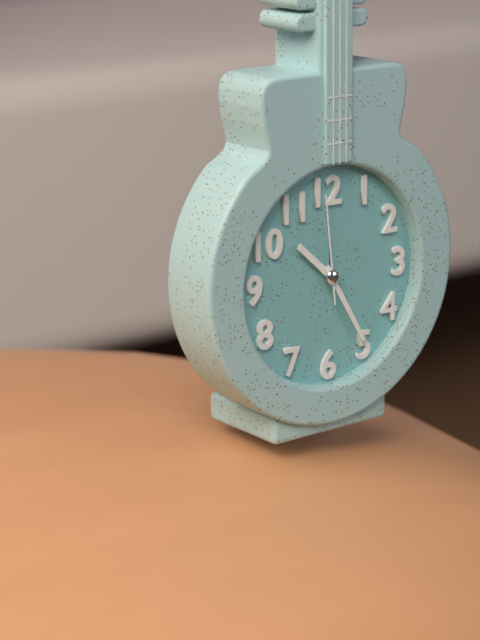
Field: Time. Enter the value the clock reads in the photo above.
10:25:59
